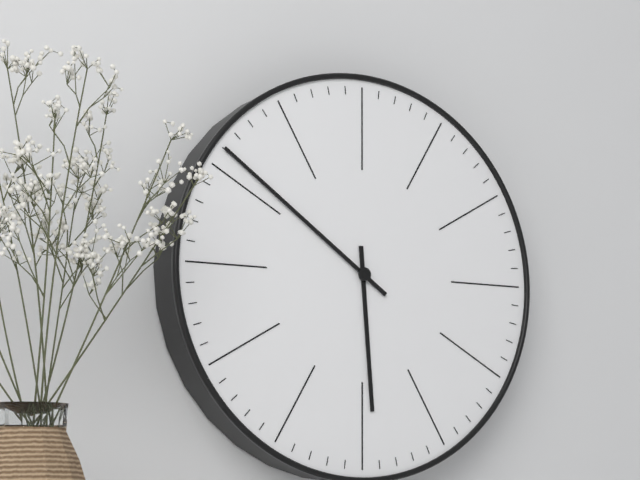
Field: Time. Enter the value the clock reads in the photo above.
5:51
